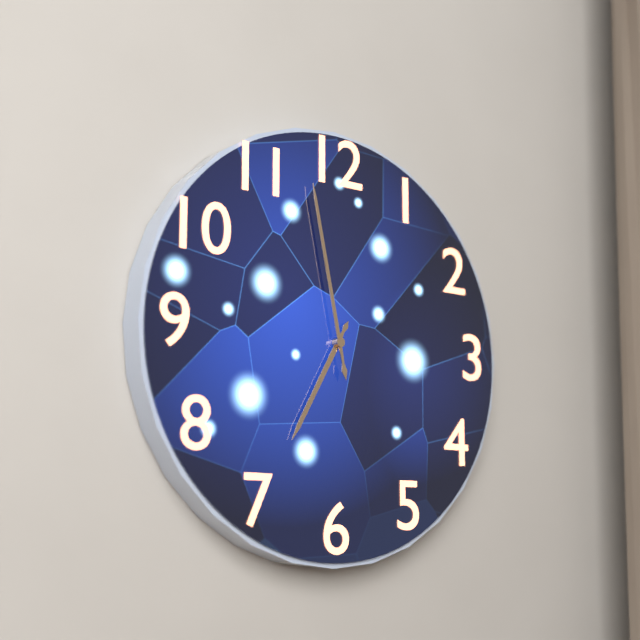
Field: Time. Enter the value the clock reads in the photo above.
6:58
